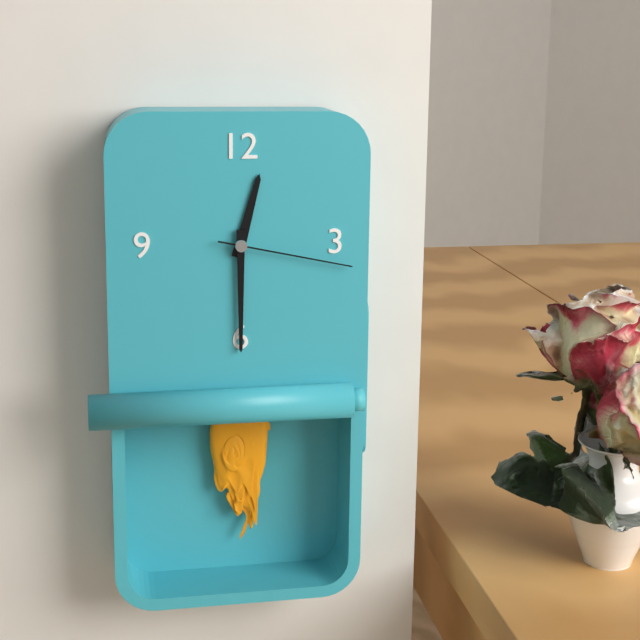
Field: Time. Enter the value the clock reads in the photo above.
12:30:17
